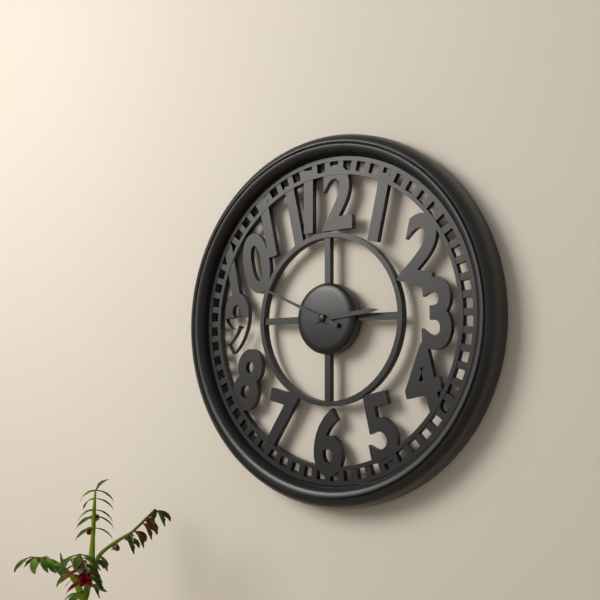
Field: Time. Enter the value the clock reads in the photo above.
2:49
